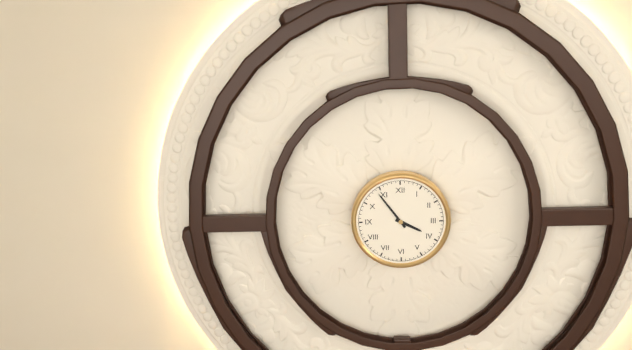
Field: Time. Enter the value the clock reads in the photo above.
3:54
